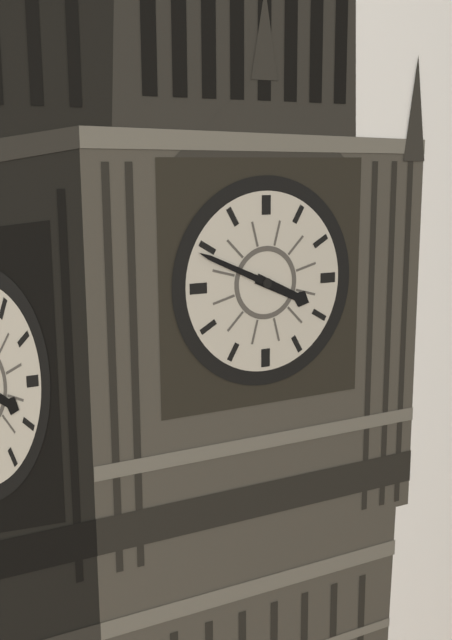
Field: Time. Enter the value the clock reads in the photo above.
3:49
